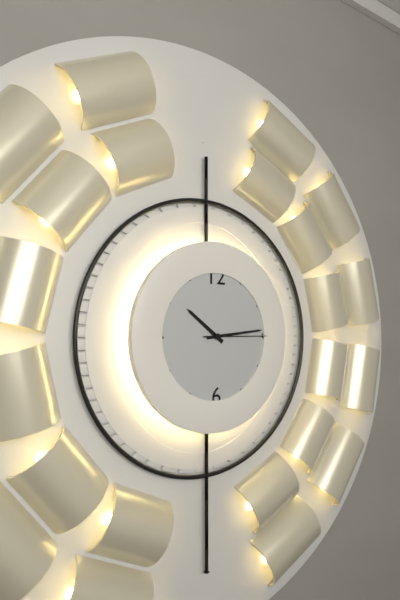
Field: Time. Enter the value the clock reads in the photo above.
10:14:15
